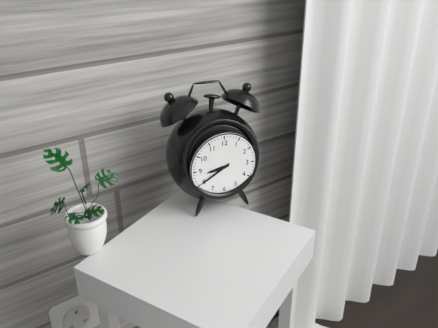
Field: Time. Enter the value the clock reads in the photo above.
8:40
